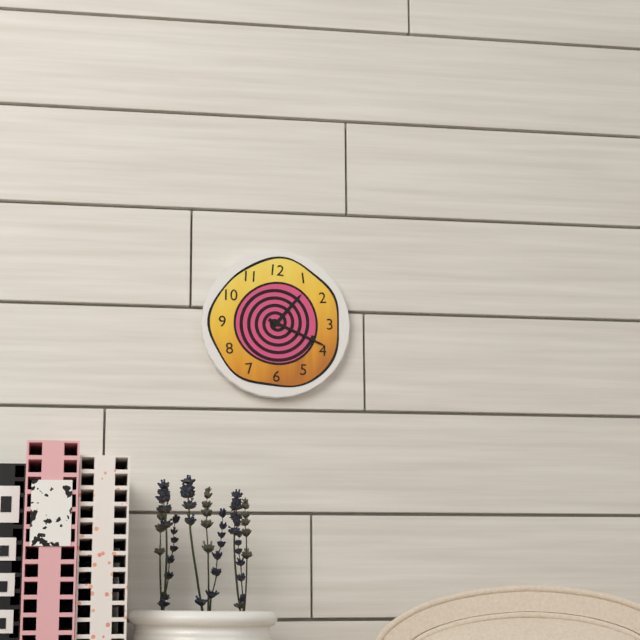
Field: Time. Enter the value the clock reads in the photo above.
1:19
